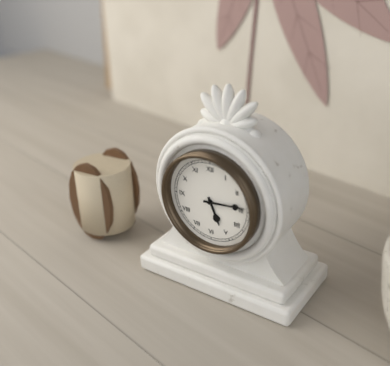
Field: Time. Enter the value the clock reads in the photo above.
5:14
